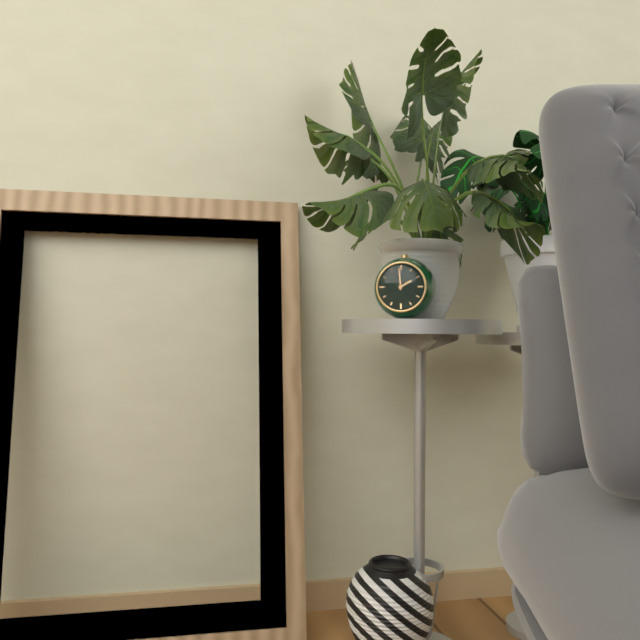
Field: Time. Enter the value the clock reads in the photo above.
1:59
